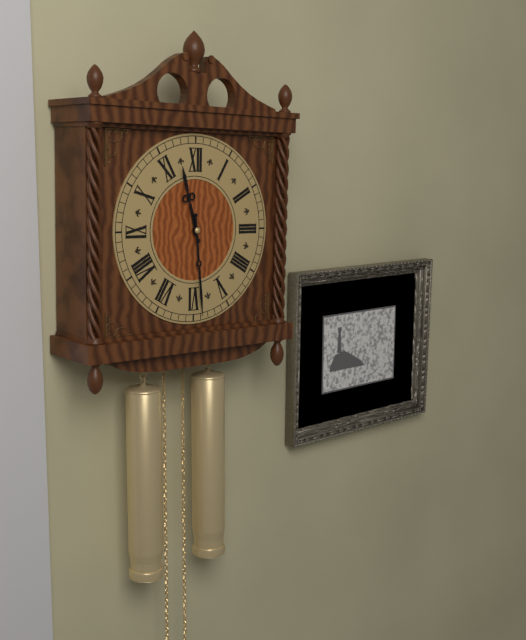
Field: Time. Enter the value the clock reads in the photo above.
11:29
